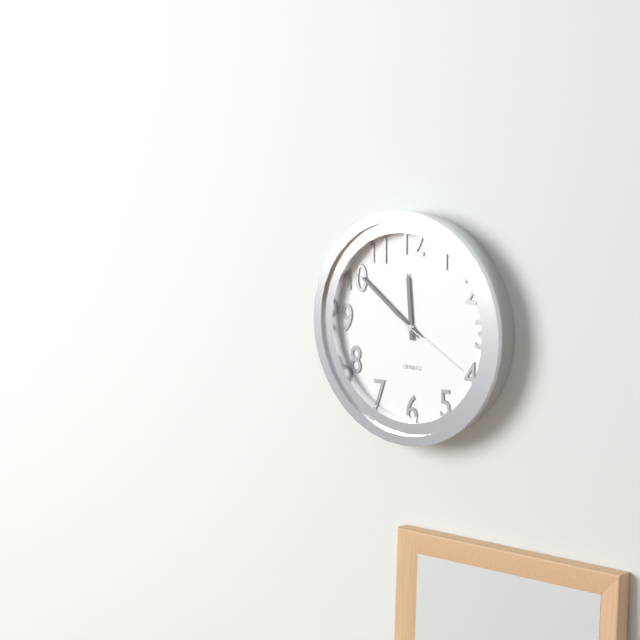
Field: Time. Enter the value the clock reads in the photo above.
11:51:20
